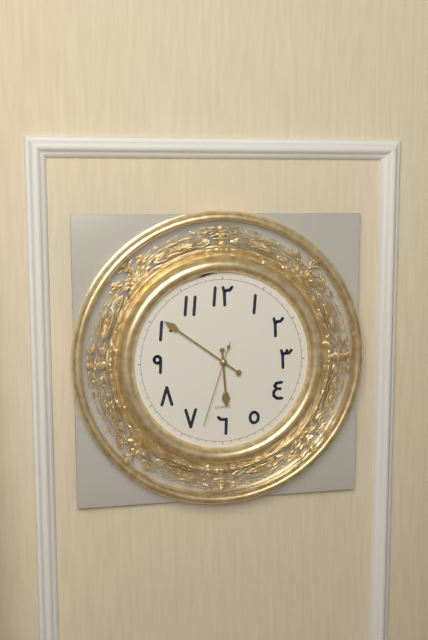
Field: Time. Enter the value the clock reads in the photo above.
5:51:33
